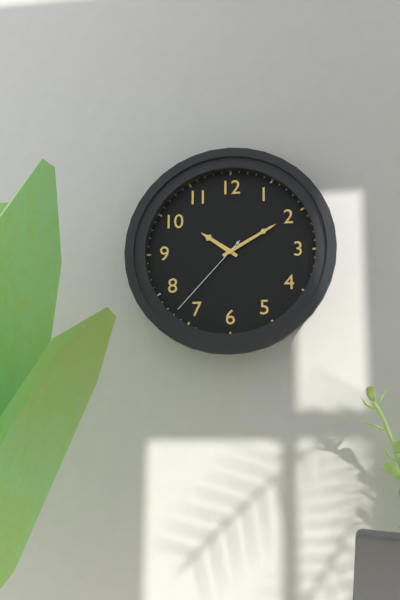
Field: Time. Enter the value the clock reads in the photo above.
10:10:37
